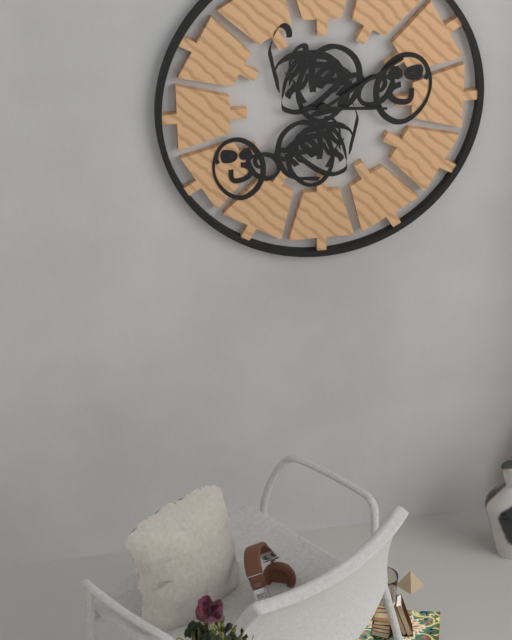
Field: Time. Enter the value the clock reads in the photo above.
3:10
